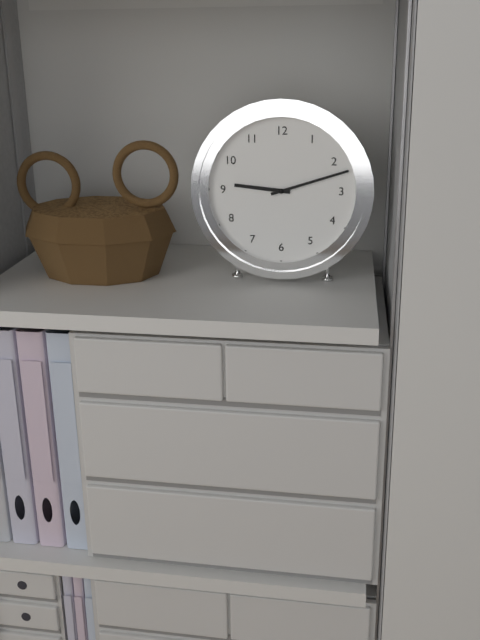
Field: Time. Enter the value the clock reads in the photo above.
9:12
